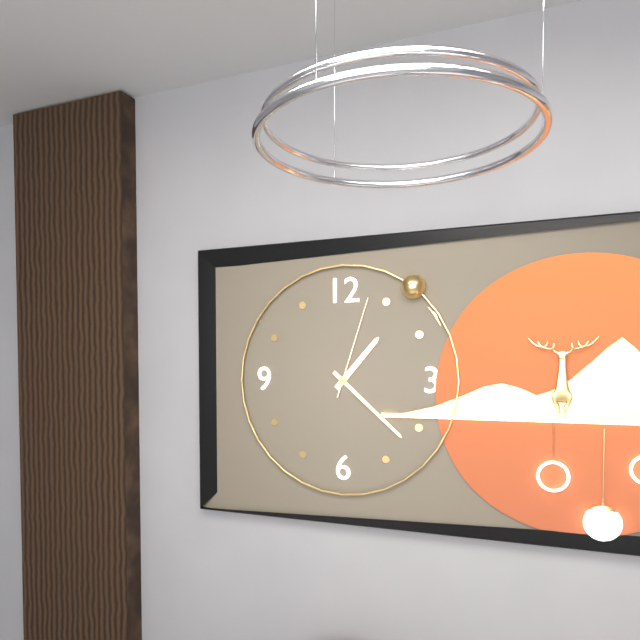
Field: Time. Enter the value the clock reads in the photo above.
1:22:03
